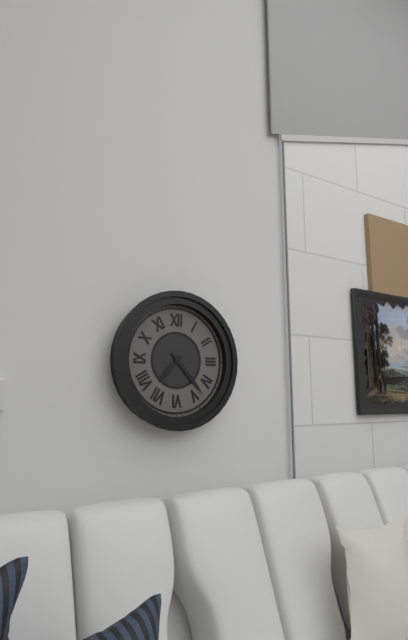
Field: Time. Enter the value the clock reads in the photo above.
7:23
